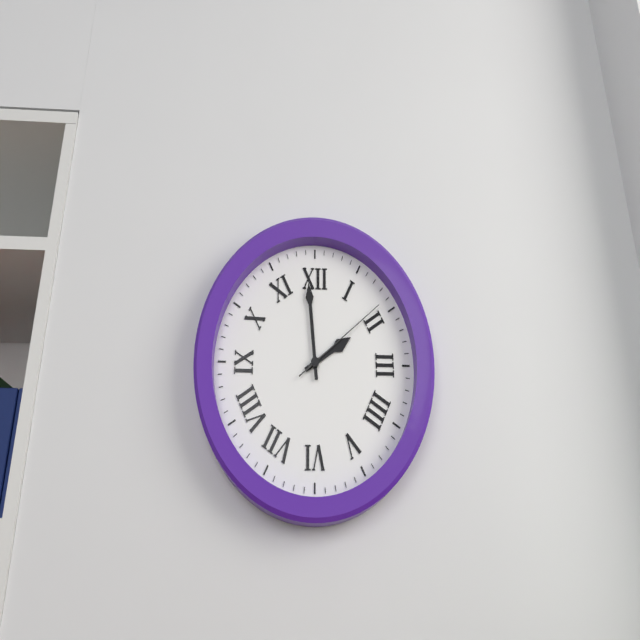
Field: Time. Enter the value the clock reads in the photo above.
1:59:09
